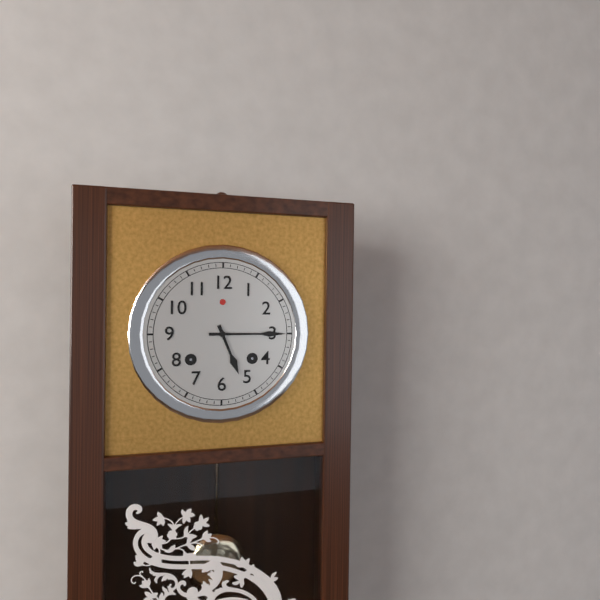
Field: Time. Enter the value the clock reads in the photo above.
5:15
